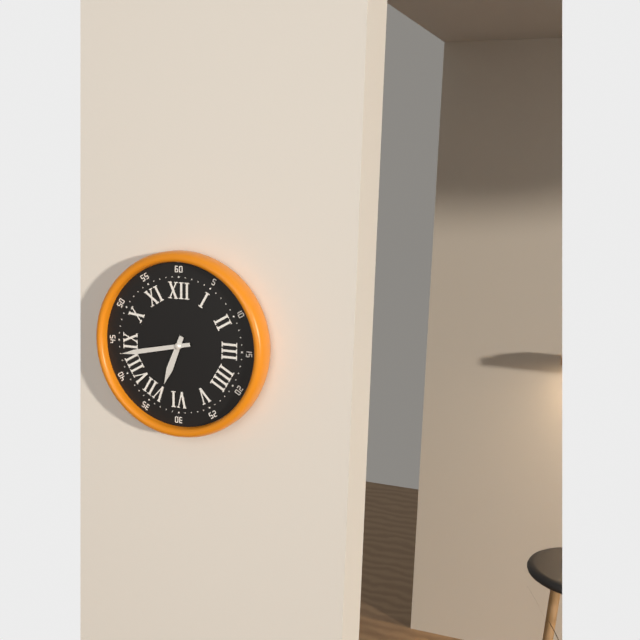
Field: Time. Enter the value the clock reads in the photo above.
6:43
